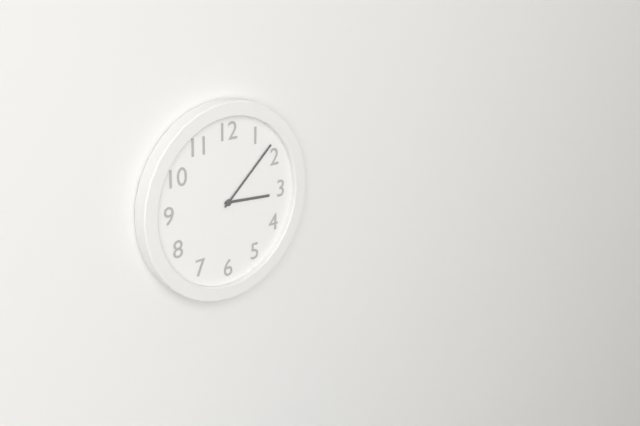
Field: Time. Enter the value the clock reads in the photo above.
3:08
